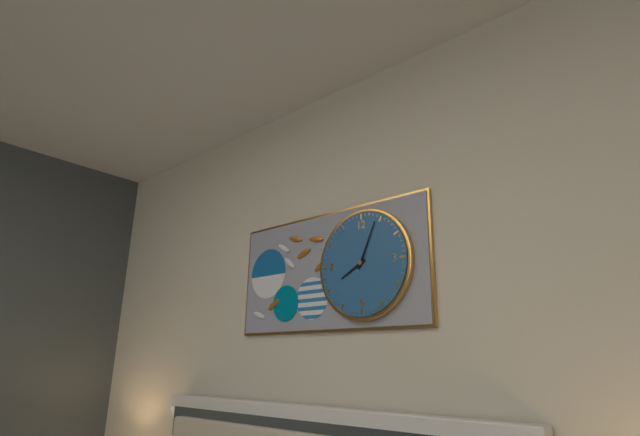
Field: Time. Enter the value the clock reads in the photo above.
8:04
